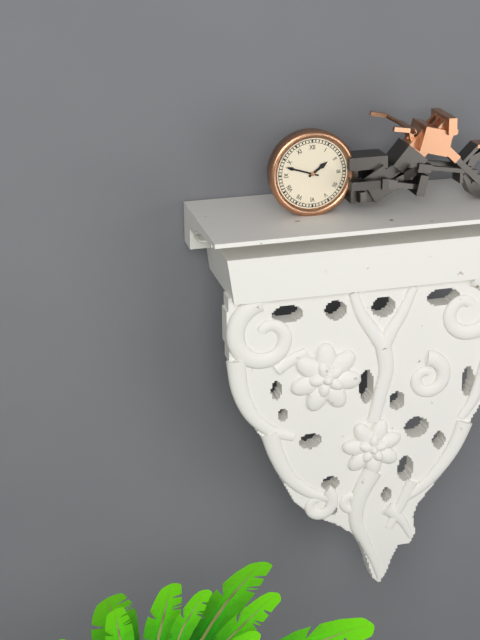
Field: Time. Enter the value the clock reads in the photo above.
1:48
